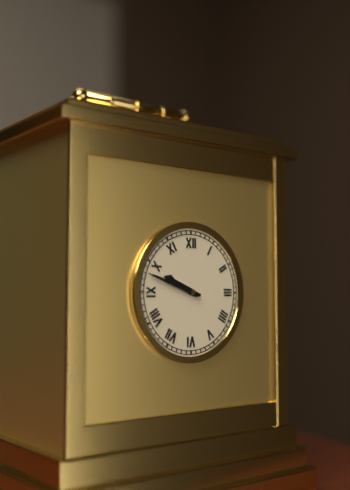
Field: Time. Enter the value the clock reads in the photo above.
9:48
